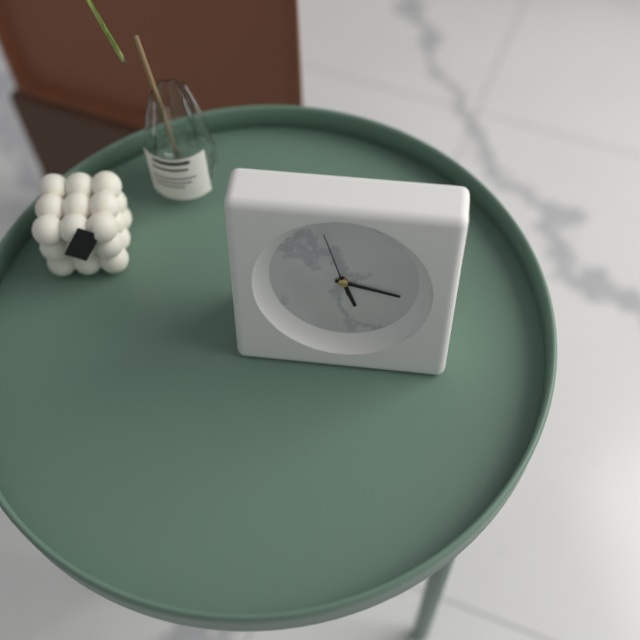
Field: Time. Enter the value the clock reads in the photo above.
5:17:57
